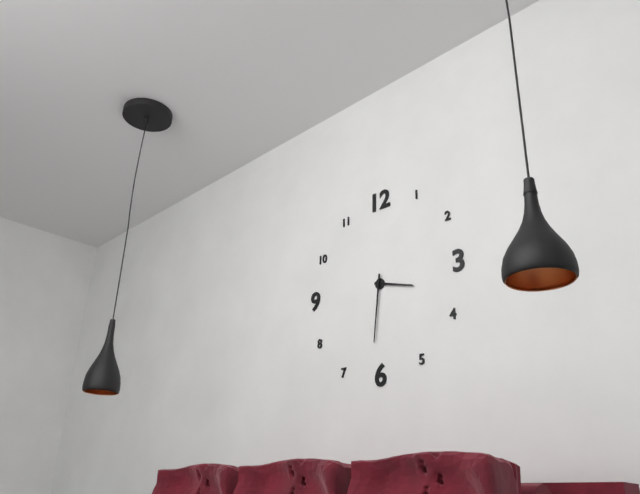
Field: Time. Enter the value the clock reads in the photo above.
3:31
